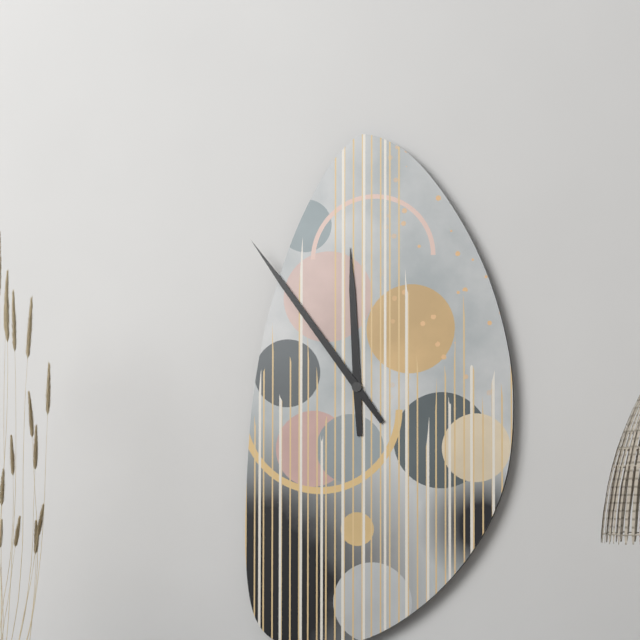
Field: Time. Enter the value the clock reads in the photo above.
11:54
